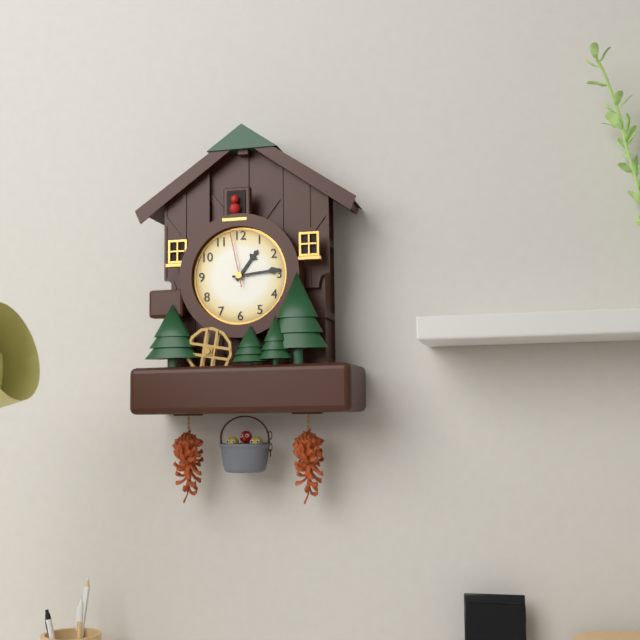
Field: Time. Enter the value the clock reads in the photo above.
1:14:58
